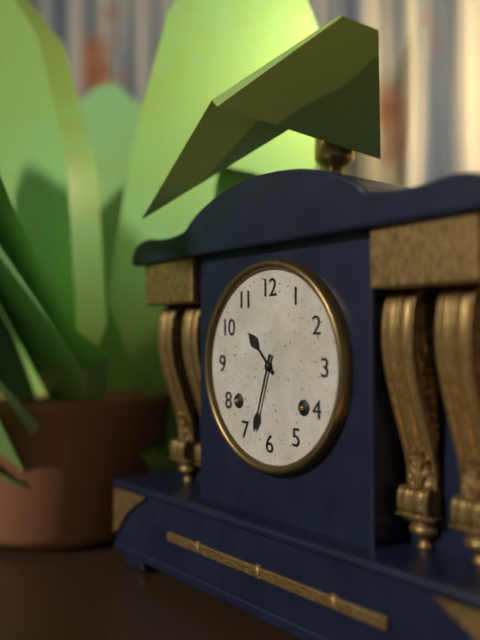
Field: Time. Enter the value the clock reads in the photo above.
10:33
